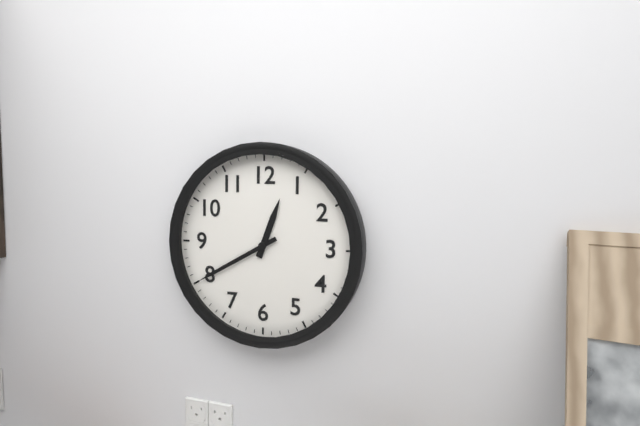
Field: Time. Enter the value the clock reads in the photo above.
12:40
